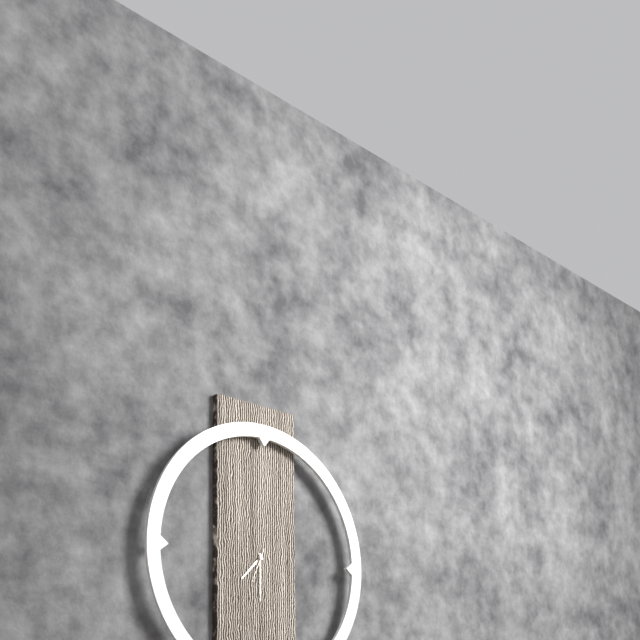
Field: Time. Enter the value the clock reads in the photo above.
7:30
